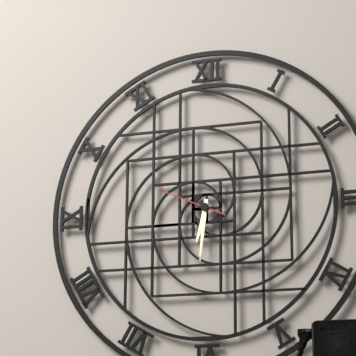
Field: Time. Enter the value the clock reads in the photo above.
6:31:49
